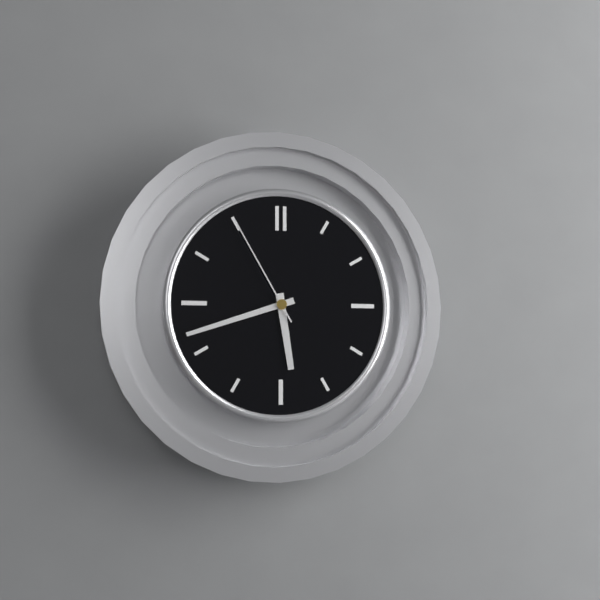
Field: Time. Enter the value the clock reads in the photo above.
5:42:55
